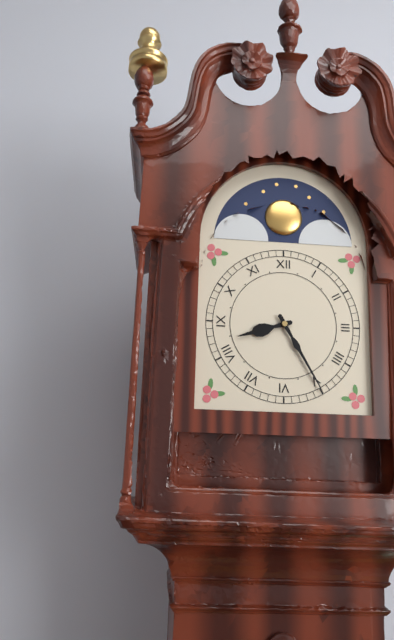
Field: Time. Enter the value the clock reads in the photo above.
8:25
